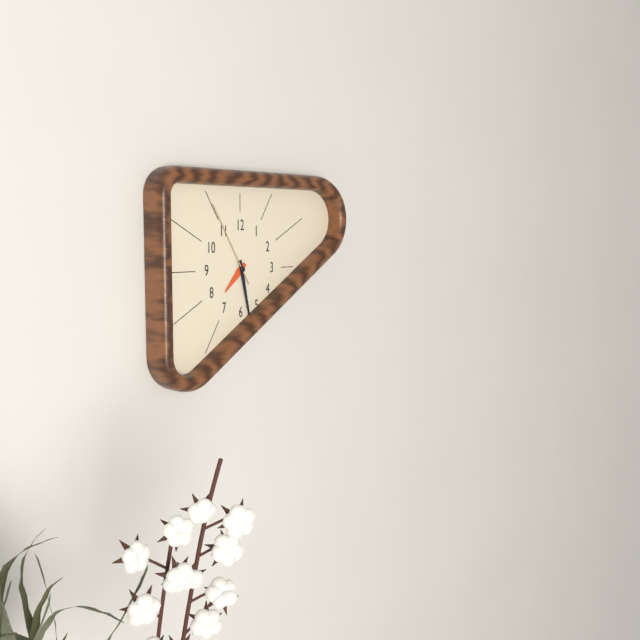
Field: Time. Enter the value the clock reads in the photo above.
7:28:55
